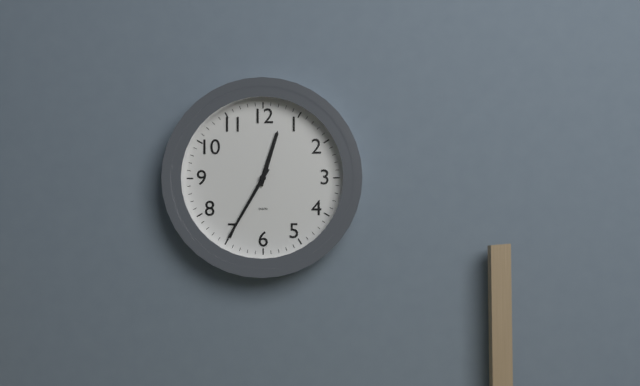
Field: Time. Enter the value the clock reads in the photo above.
12:35
